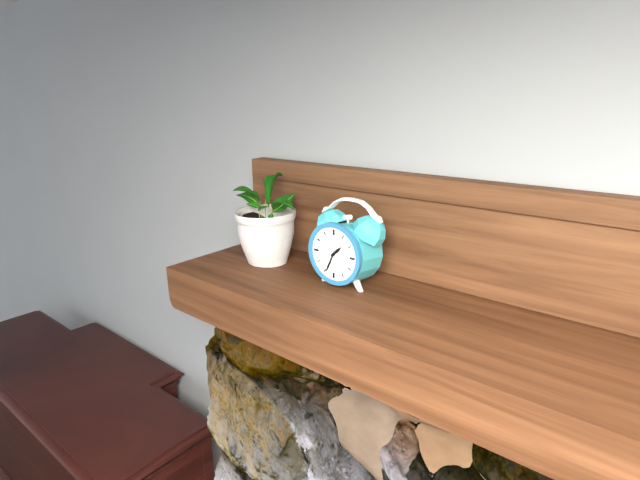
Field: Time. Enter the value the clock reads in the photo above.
1:34
